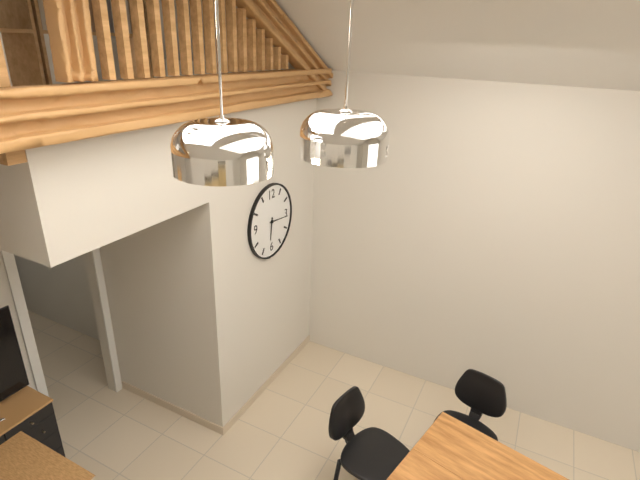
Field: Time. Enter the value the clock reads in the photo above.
6:16
